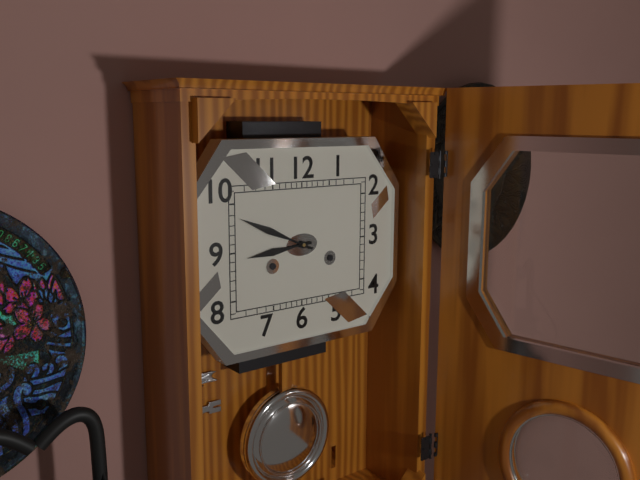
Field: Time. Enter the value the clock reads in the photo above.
8:49
